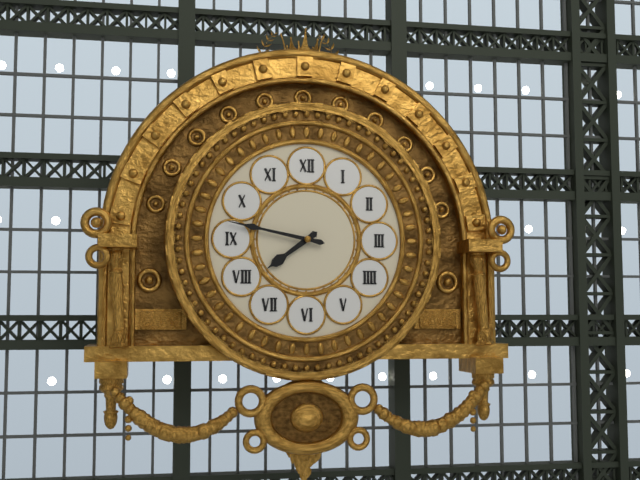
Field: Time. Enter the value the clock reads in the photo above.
7:47
